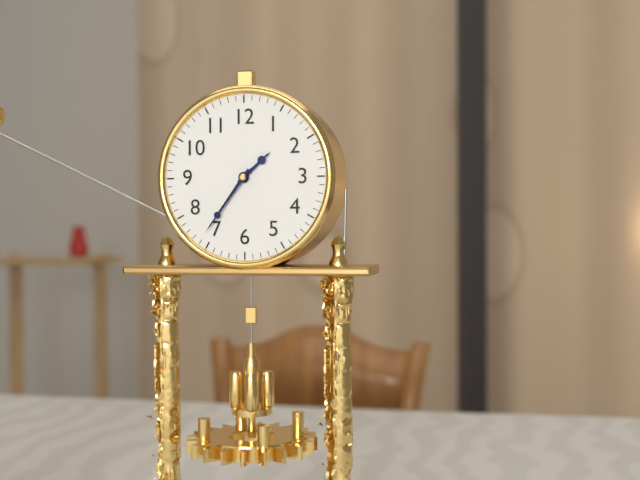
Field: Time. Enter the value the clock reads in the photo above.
1:36
